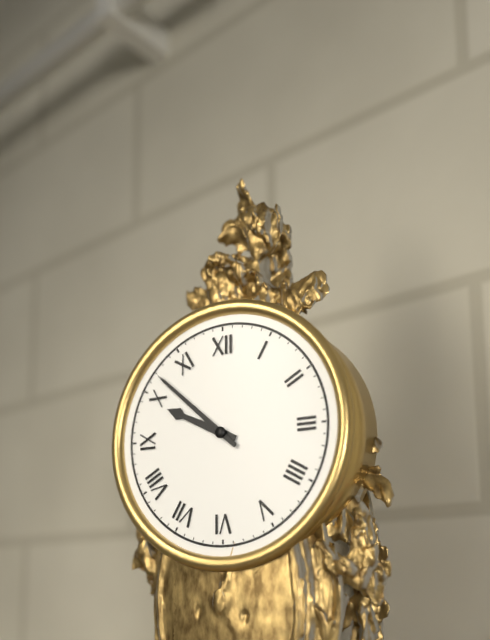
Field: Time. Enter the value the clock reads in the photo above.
9:52
